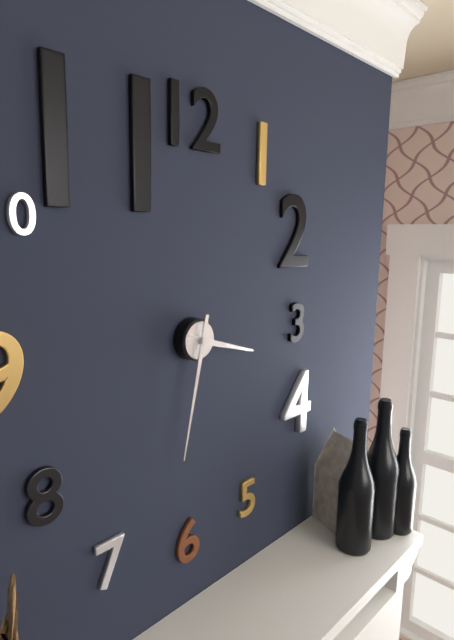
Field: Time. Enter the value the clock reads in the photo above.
3:32
